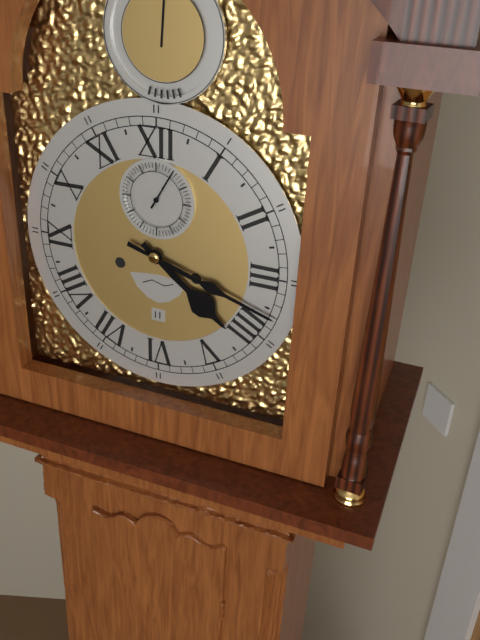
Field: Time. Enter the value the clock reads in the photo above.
4:18
